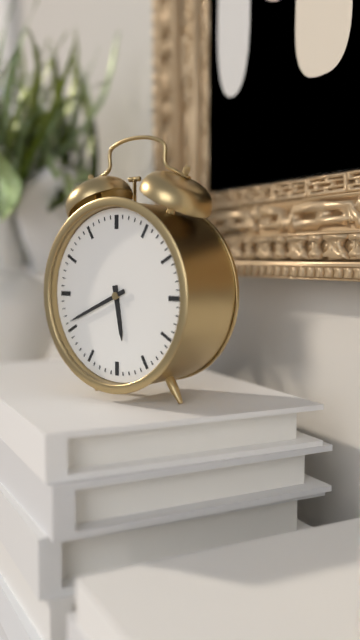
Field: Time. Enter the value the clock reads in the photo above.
5:41
